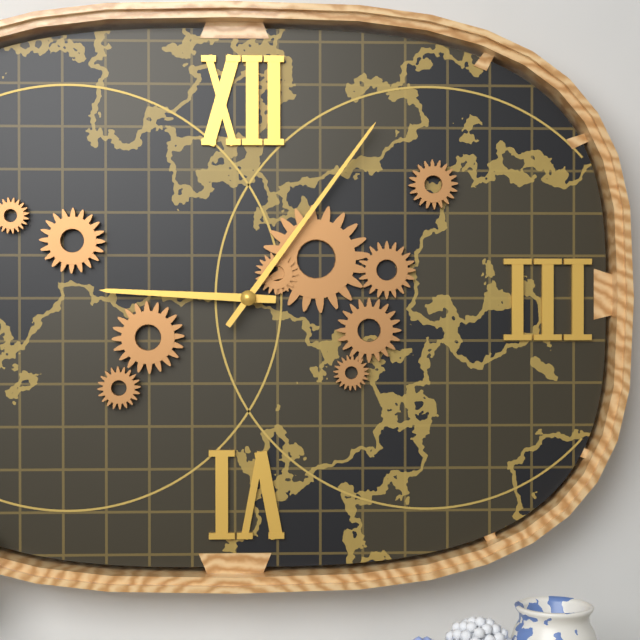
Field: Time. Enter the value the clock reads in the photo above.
9:06
